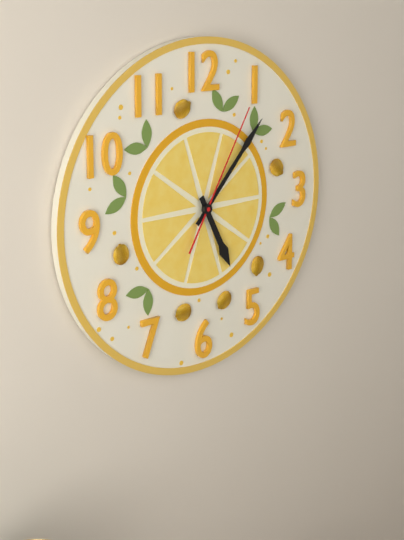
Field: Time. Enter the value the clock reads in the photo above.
5:07:05
